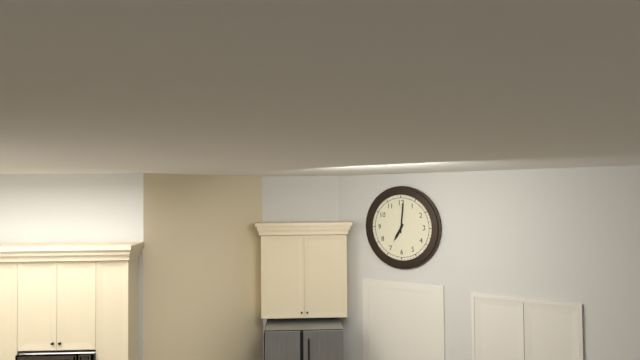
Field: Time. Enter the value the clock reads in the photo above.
7:01
